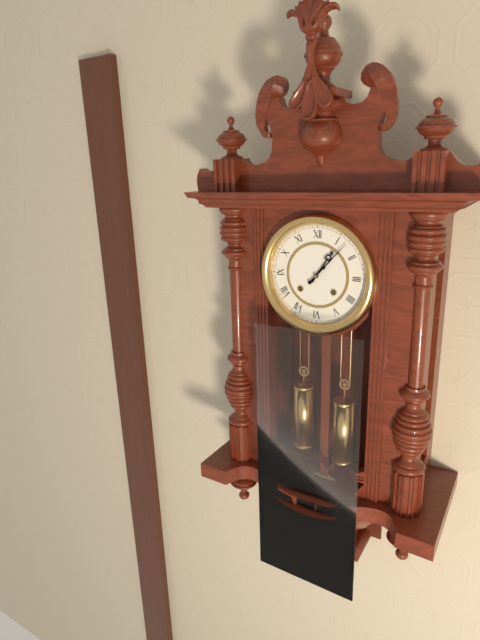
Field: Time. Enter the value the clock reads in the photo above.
1:07
